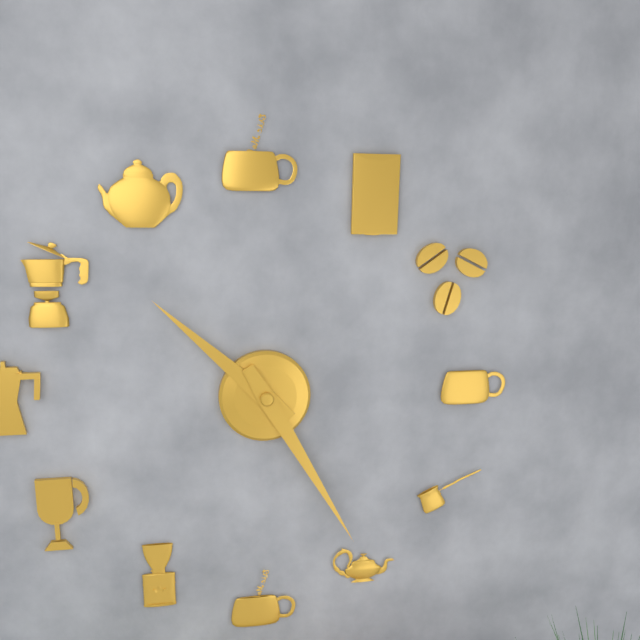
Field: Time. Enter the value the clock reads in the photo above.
10:25
